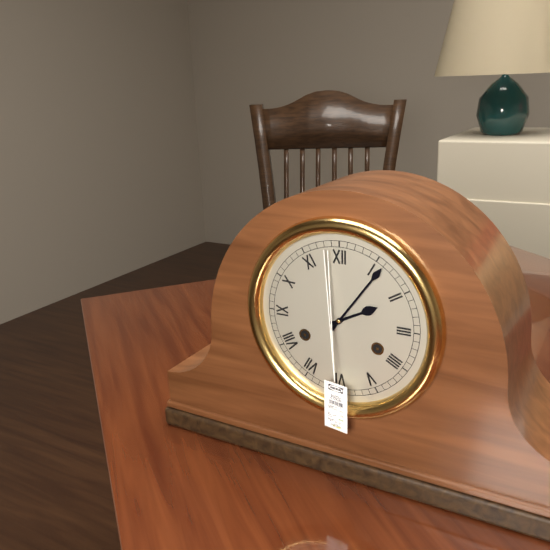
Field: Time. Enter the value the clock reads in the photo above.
2:06
